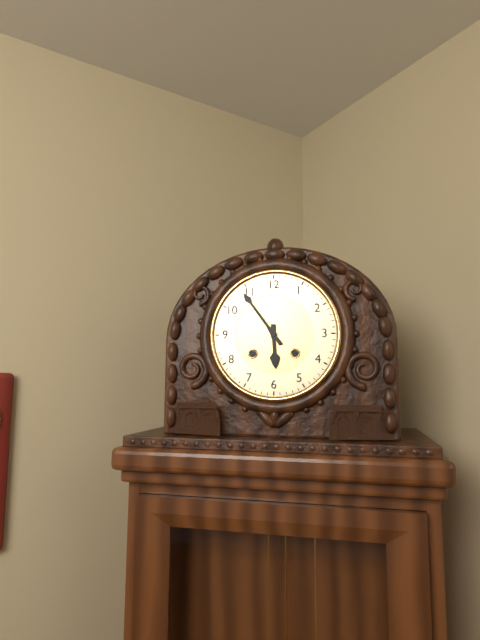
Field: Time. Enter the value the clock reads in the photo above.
5:54
